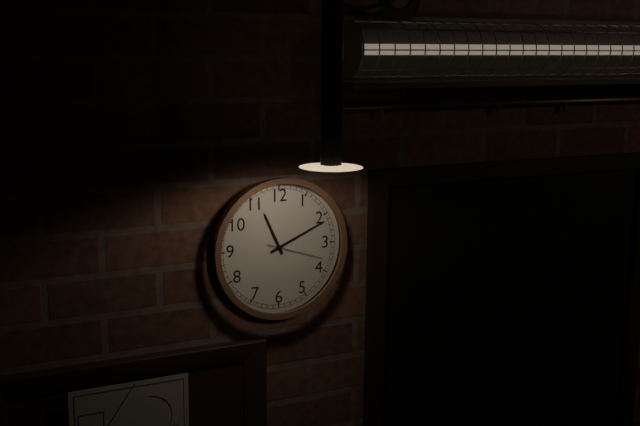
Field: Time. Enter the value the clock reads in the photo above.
11:11:18
